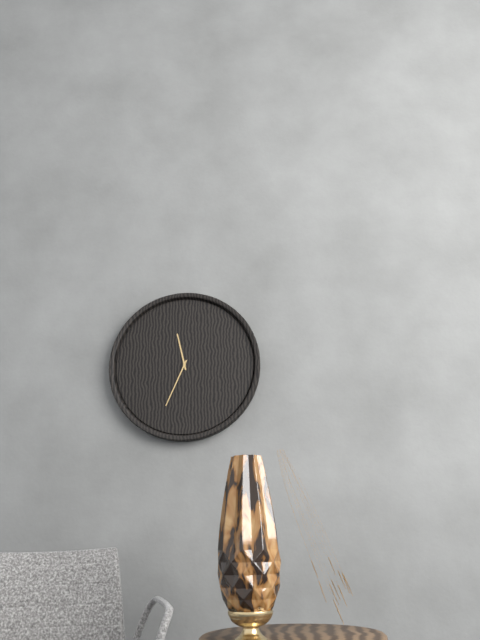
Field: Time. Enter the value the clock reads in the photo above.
11:34
